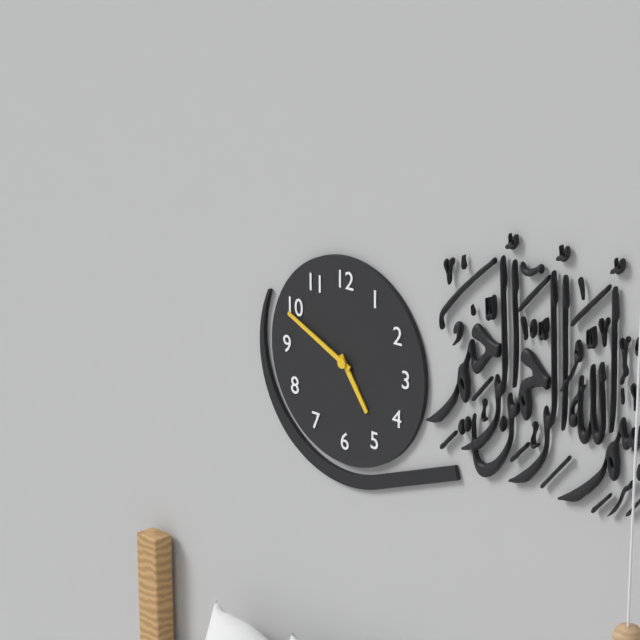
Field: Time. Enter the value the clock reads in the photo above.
4:49
